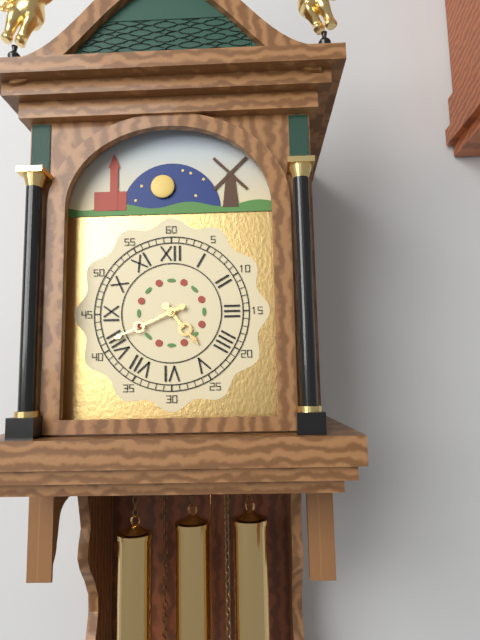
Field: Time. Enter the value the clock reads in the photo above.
4:41
